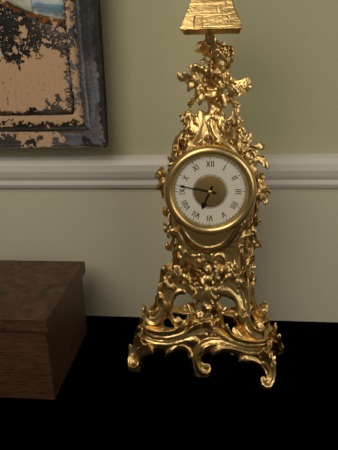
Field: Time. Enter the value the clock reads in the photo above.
6:47
